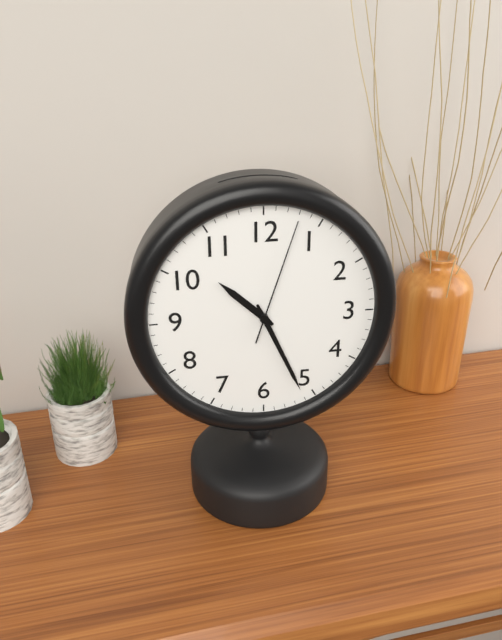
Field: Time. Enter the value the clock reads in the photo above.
10:26:03
